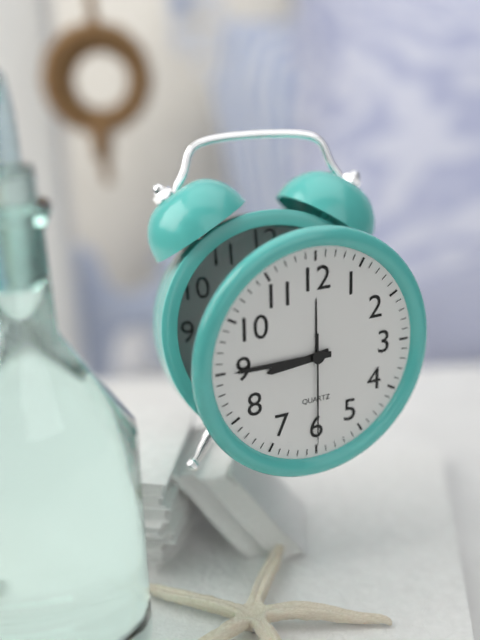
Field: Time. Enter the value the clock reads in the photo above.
8:45:30
